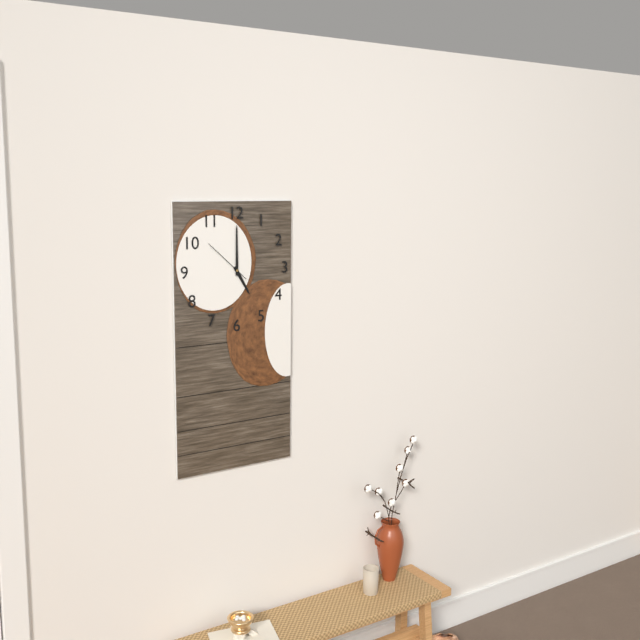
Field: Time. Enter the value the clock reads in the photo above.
5:00:52
